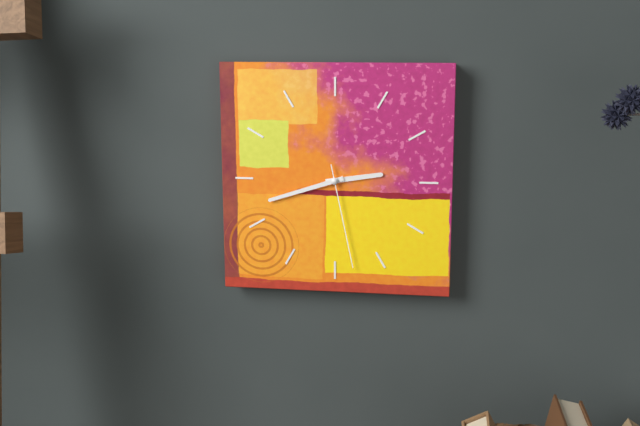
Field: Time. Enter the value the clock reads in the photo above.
2:42:28
